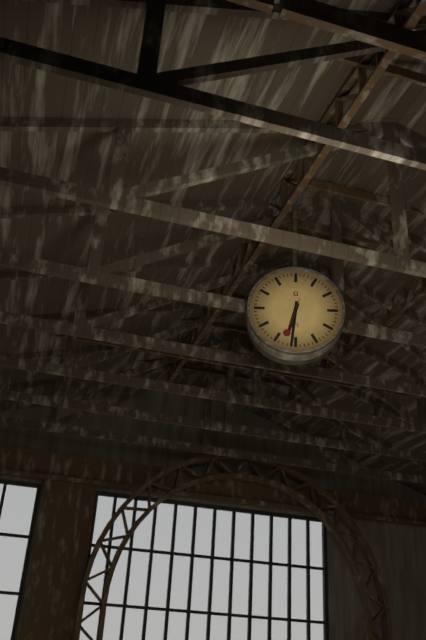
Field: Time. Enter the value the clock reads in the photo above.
6:31
